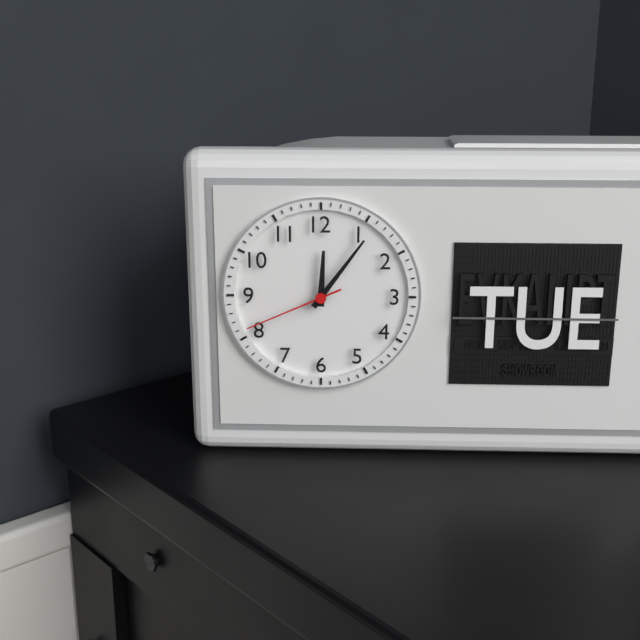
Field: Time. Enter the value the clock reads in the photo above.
12:06:41
